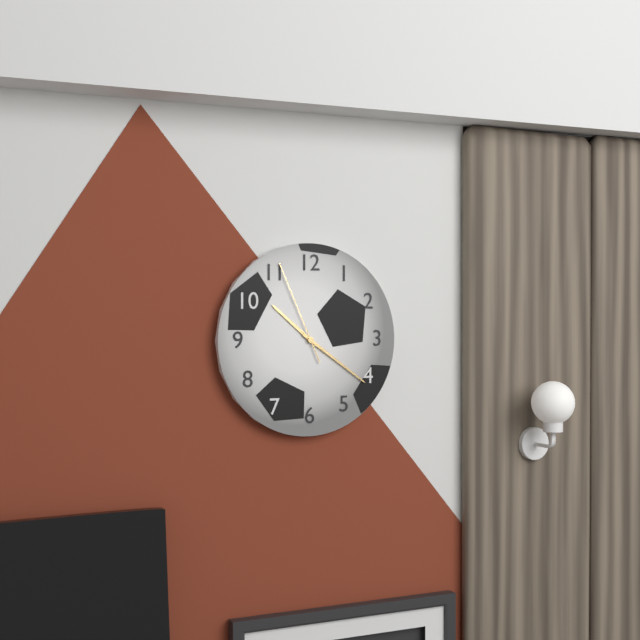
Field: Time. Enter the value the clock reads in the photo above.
10:21:56
